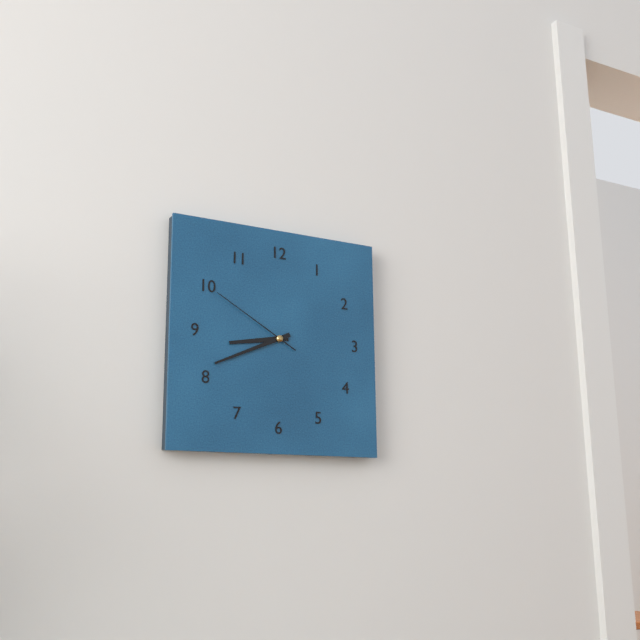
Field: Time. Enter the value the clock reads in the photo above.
8:41:50
